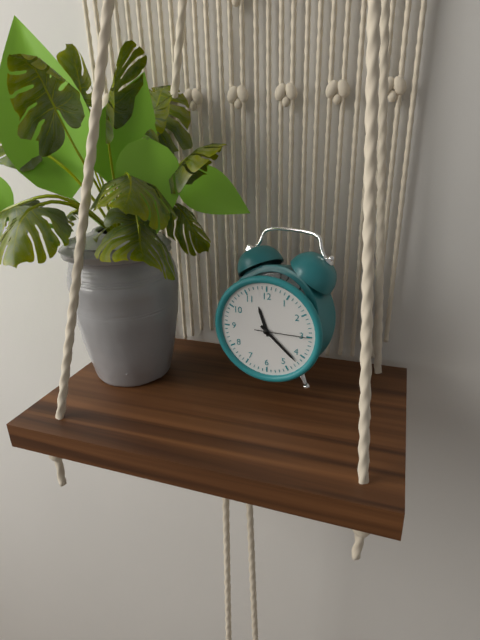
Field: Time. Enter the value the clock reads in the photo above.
11:22:15
